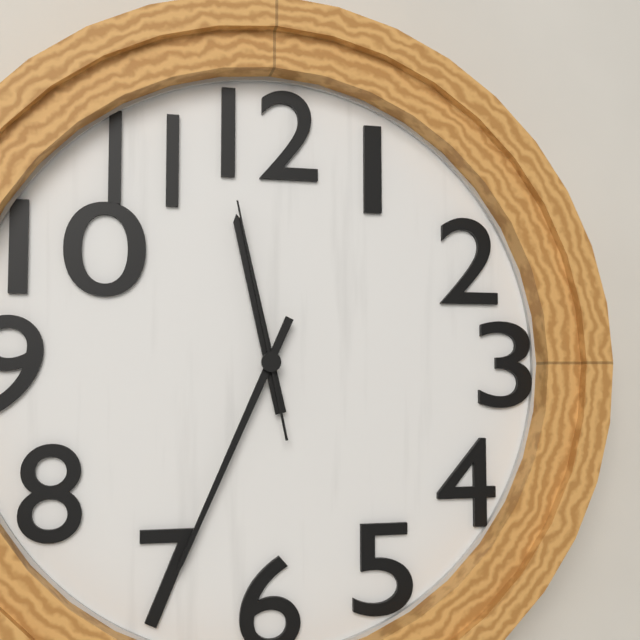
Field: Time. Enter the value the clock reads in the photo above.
11:34:58
